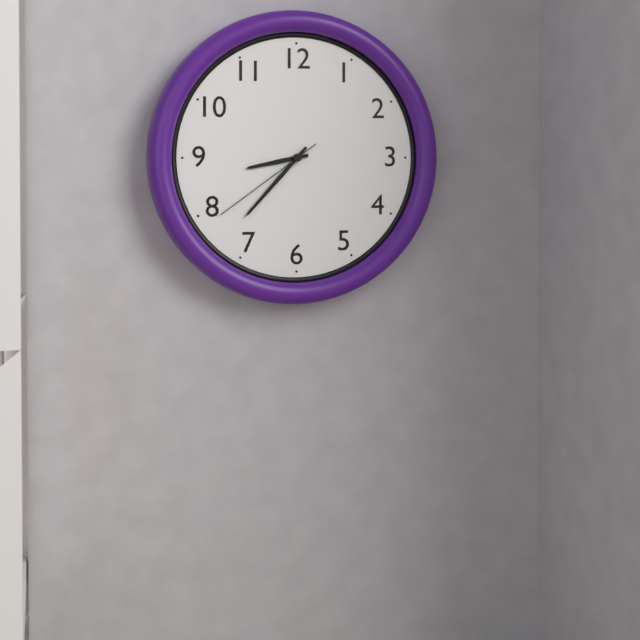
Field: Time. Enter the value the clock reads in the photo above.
8:37:39
